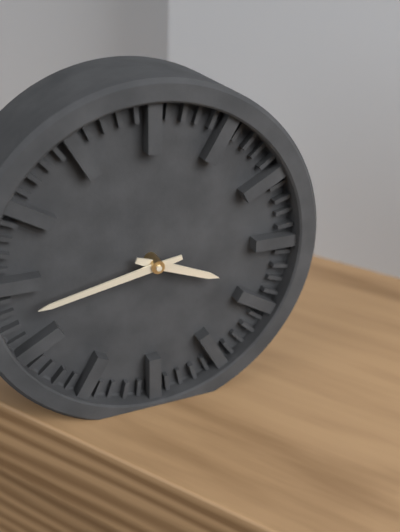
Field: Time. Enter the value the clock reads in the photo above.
3:43
